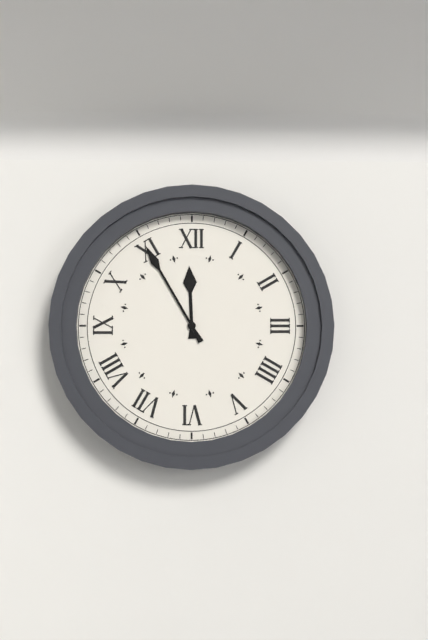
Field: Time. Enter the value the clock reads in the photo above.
11:55
